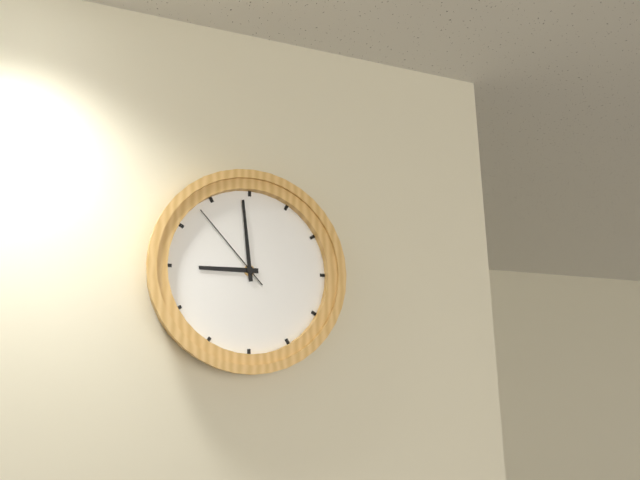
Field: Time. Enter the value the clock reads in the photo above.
8:59:53
